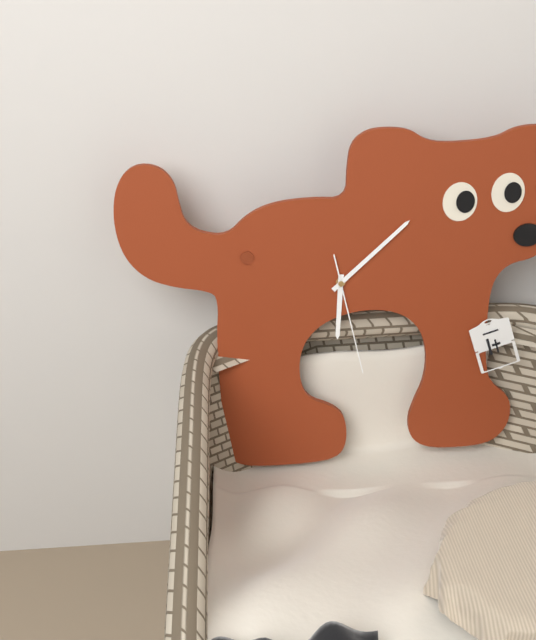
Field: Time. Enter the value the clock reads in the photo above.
6:08:28
